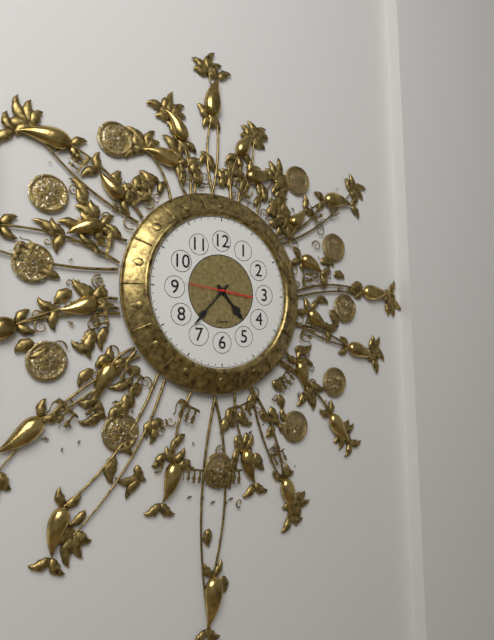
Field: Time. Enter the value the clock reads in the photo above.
4:37
